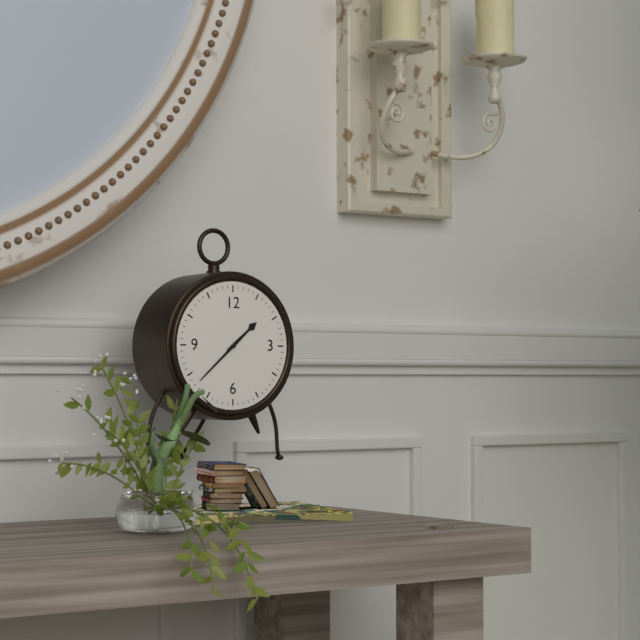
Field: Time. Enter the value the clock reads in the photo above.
1:38
